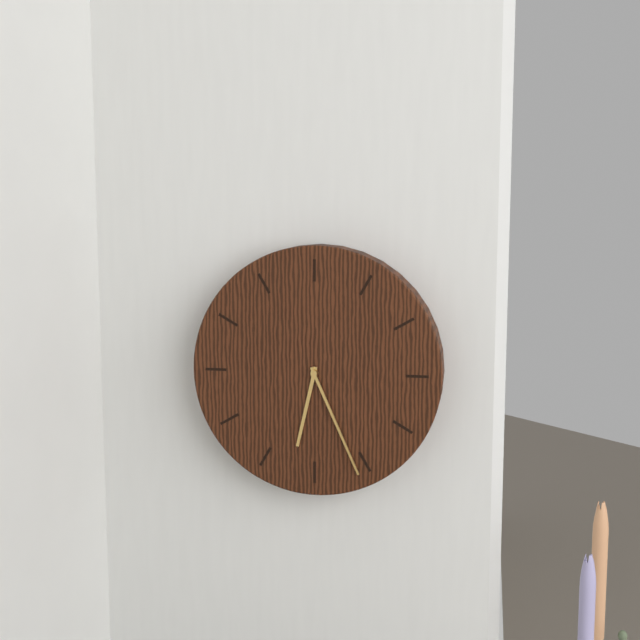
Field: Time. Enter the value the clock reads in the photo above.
6:26
